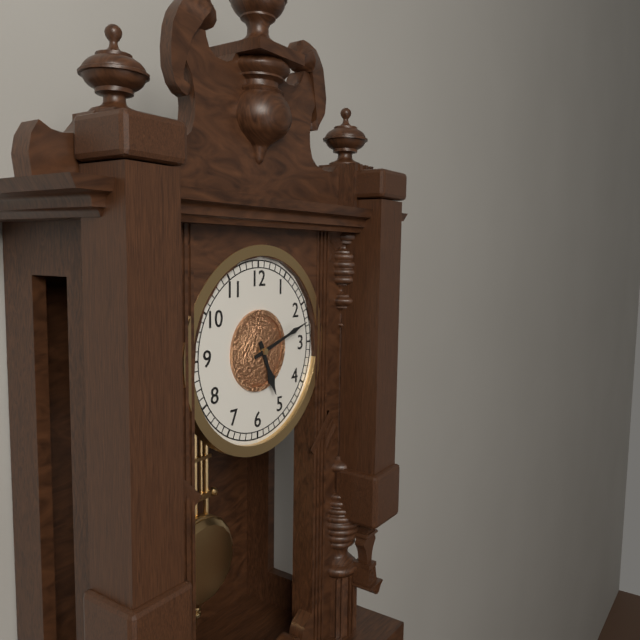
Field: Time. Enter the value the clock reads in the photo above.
5:12
